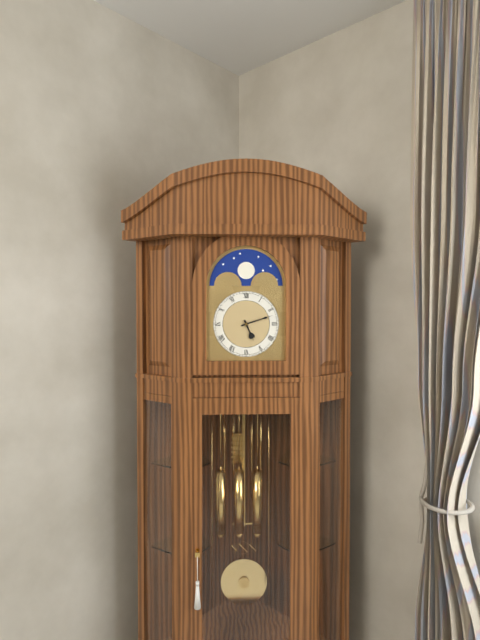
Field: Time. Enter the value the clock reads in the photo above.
5:12
